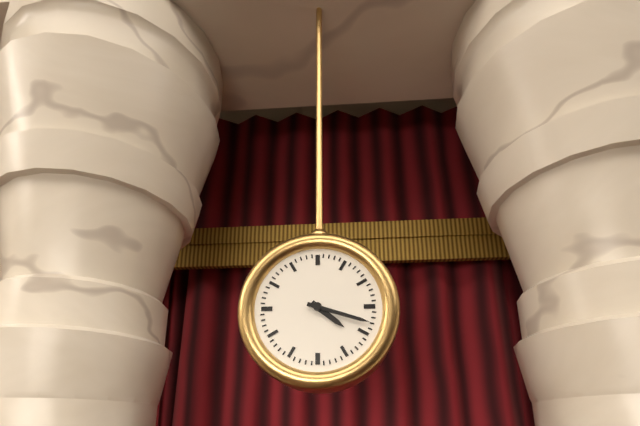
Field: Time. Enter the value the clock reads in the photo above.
4:18
